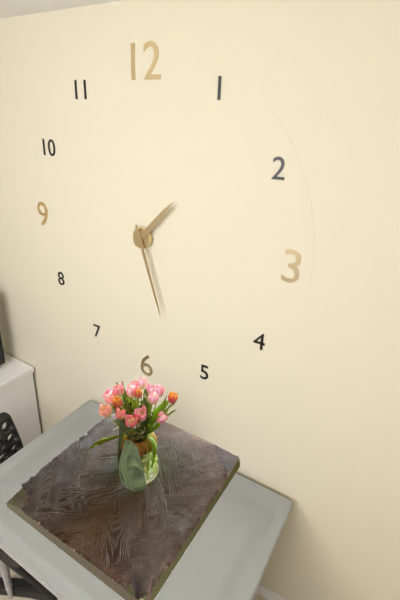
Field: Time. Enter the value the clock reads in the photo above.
1:27
